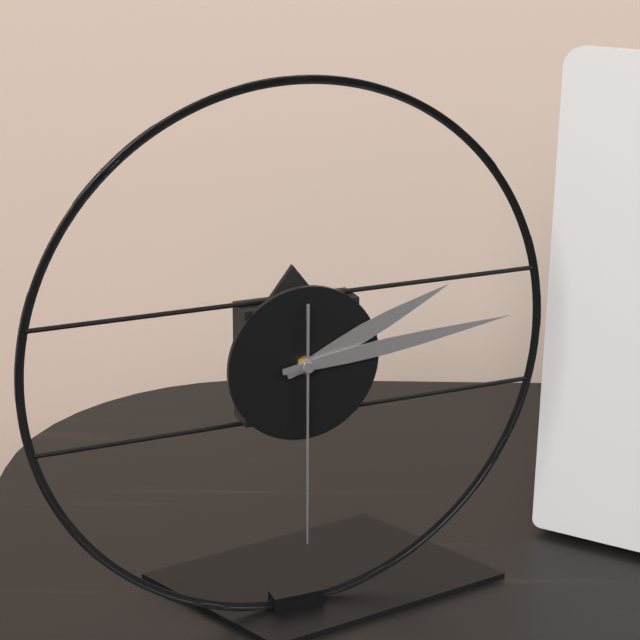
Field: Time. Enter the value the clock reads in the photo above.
2:14:30
